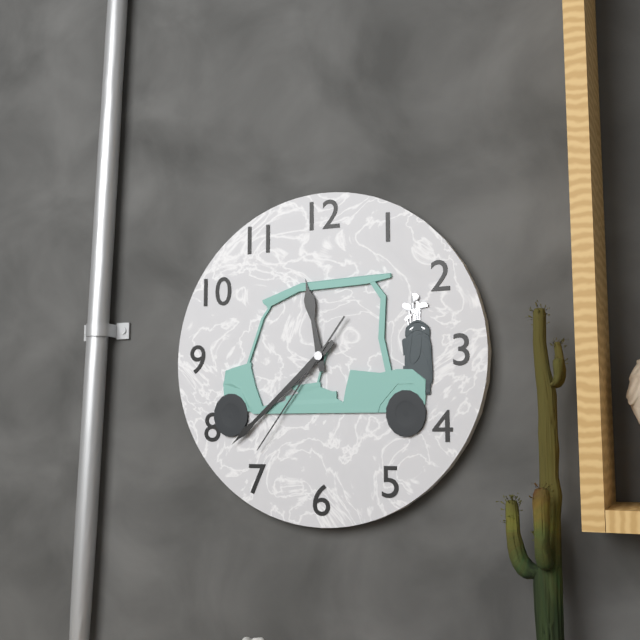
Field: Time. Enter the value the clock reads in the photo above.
11:38:36
